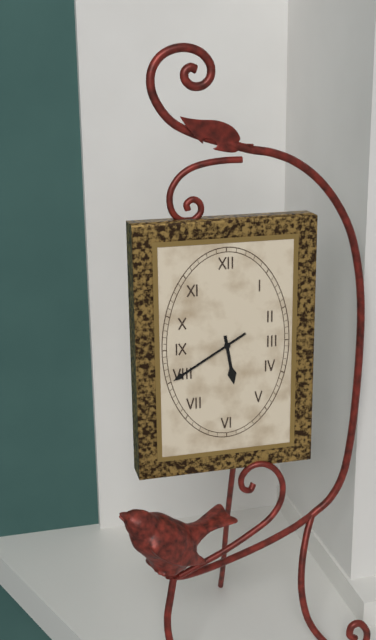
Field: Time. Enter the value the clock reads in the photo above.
5:40
